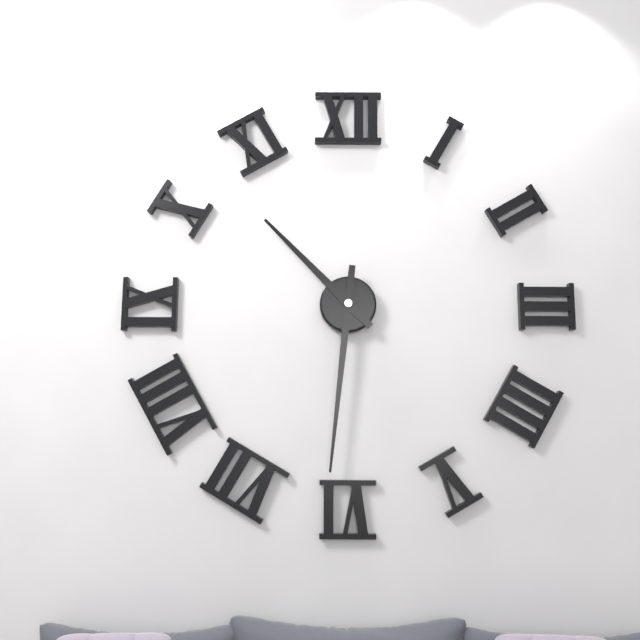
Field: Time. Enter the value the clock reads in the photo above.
10:31
